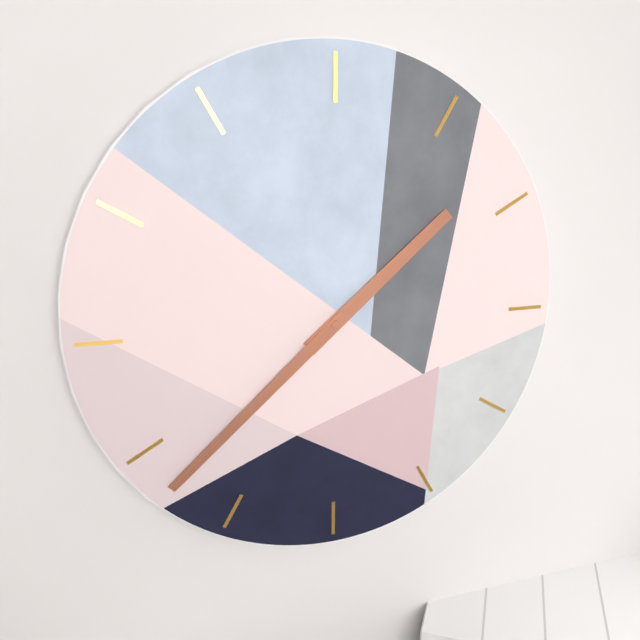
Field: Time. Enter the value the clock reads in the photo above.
1:38
